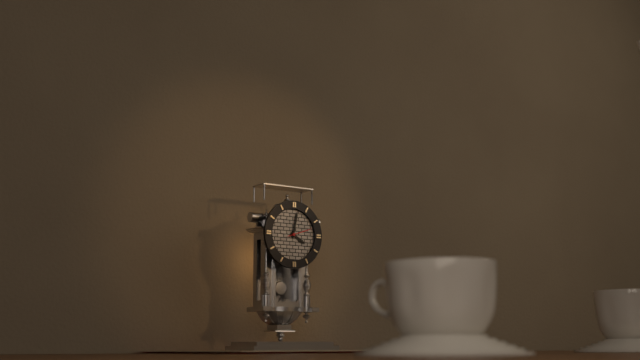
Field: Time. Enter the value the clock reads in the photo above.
4:02
